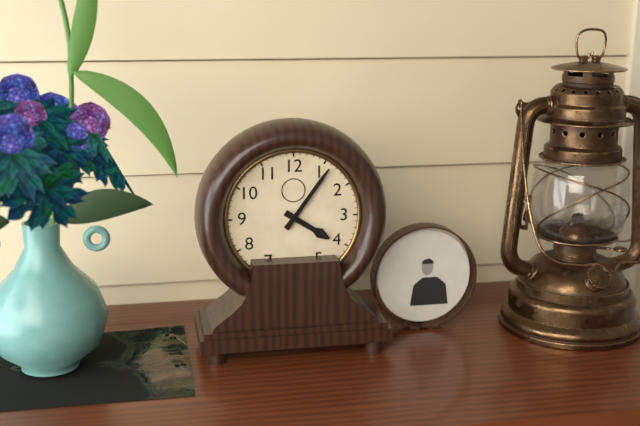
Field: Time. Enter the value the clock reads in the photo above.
4:06
